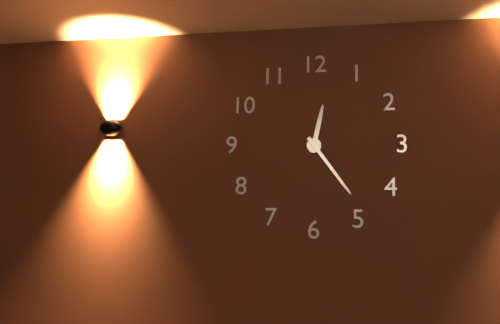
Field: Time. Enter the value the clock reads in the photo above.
12:24
